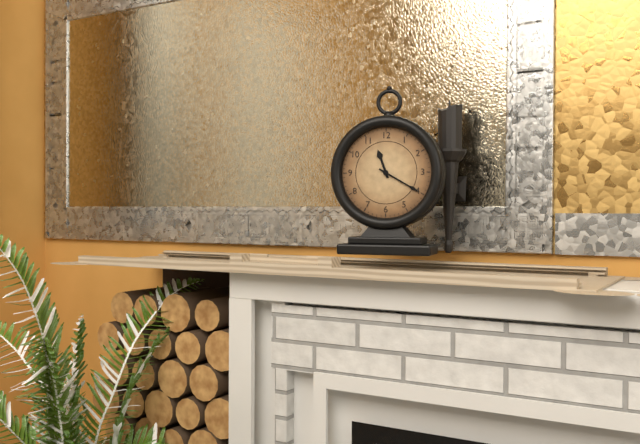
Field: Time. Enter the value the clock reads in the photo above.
11:20
